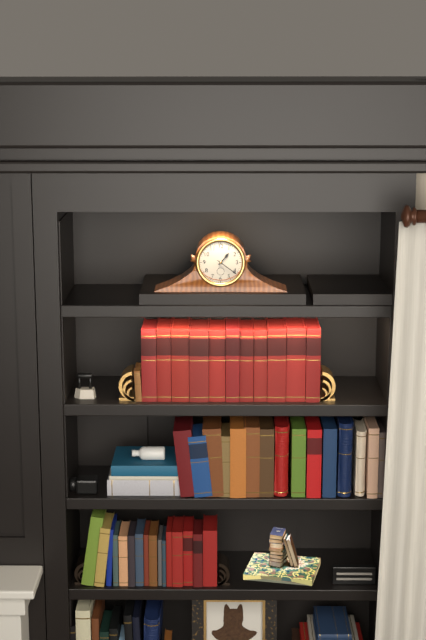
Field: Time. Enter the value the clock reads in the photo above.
1:21
